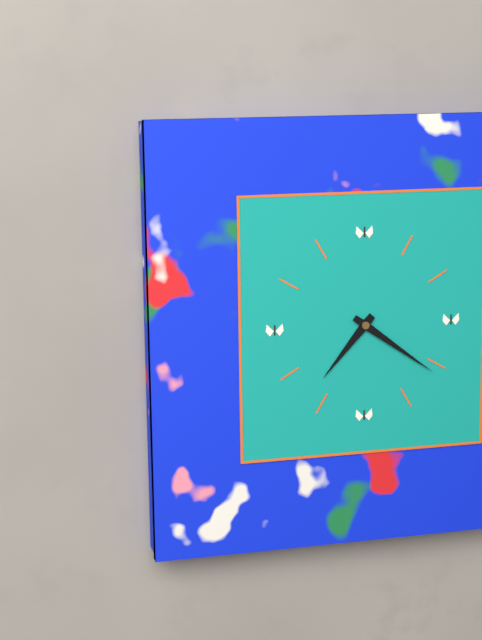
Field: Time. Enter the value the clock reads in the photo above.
7:21
